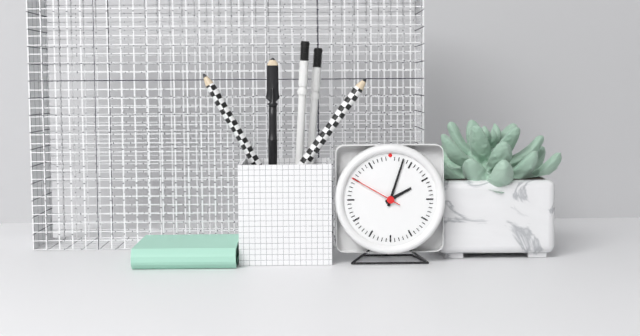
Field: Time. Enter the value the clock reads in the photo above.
2:03:50
